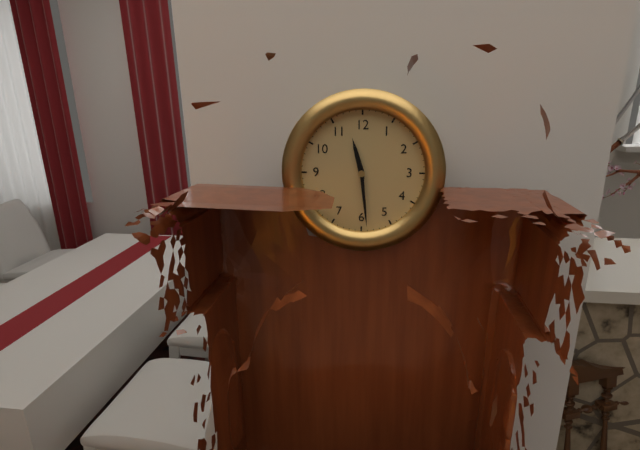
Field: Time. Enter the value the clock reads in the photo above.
11:29
